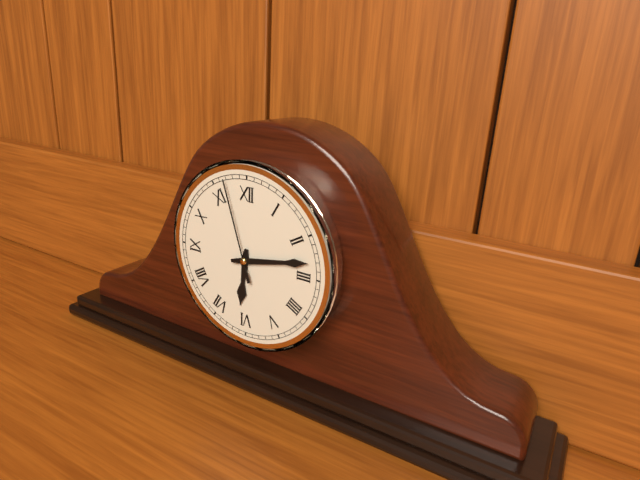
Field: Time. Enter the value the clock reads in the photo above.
6:13:57
